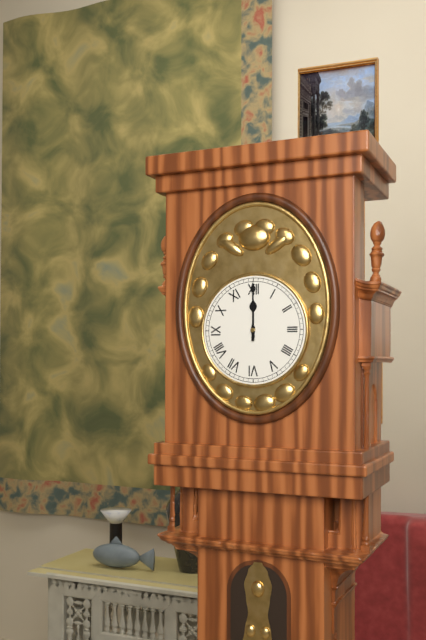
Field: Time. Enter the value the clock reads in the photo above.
12:00
